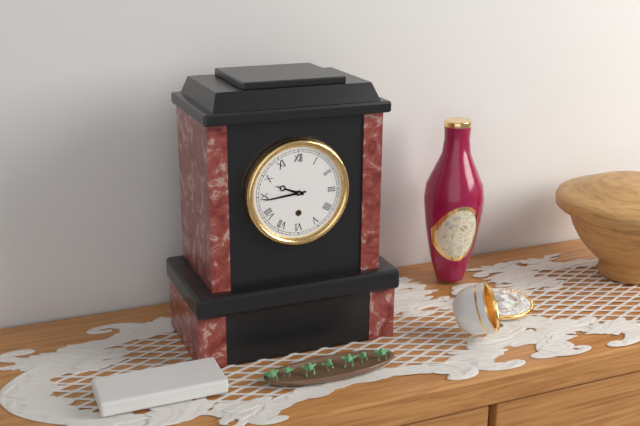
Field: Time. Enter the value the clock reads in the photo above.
9:44
